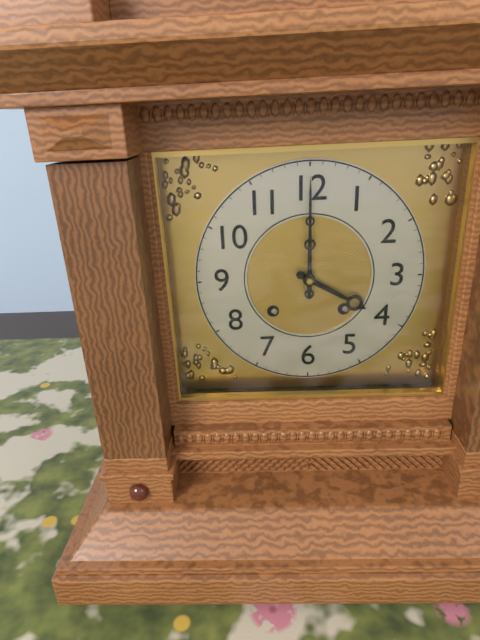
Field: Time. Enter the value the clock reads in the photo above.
4:00
